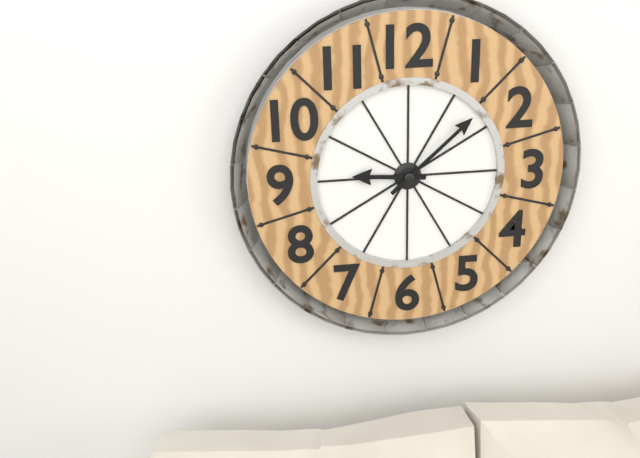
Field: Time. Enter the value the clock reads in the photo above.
9:08
